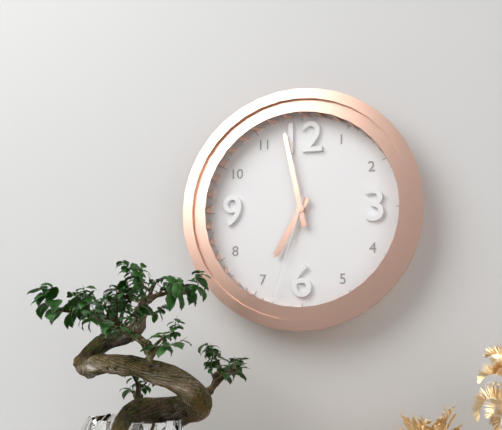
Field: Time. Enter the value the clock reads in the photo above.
6:58:33
